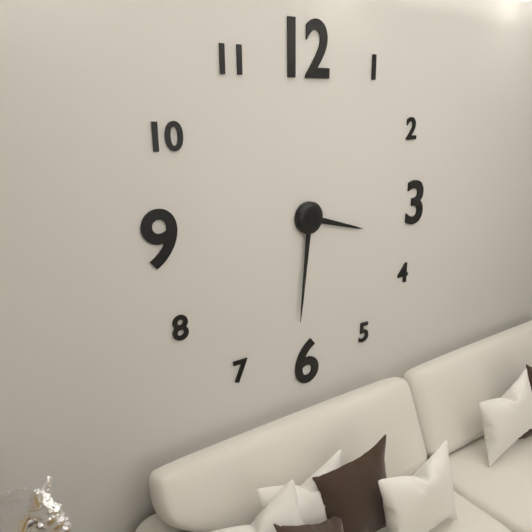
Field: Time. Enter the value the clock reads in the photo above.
3:31
